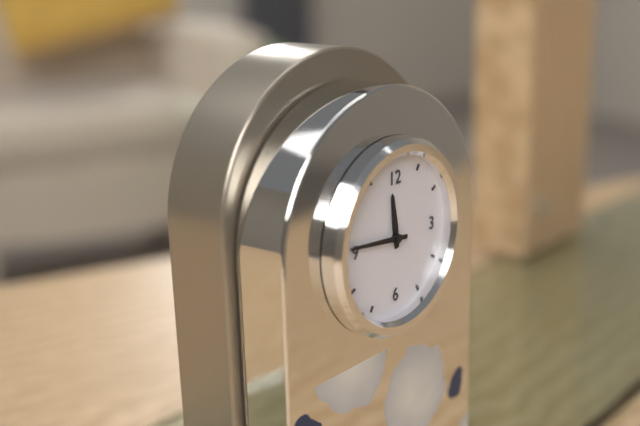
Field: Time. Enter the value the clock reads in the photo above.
11:46
